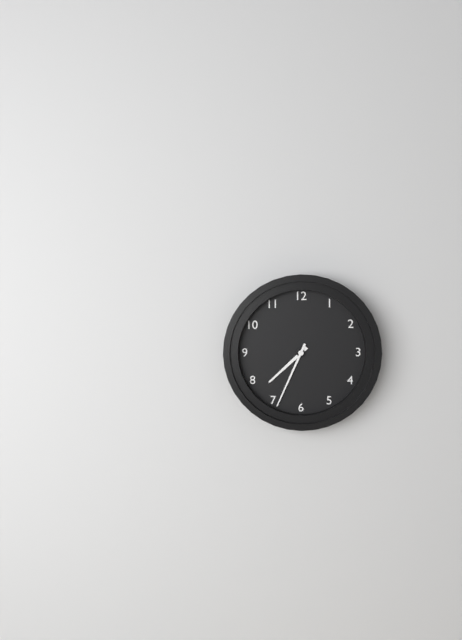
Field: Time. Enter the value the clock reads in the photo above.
7:34
